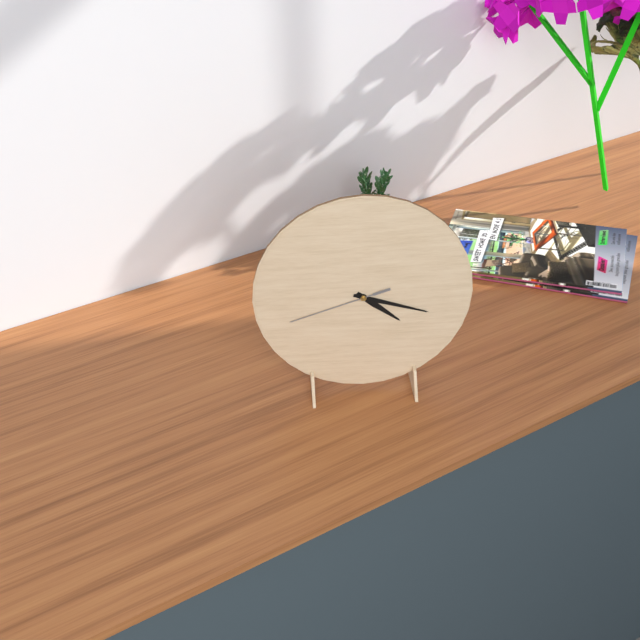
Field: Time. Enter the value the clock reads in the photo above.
4:18:42
